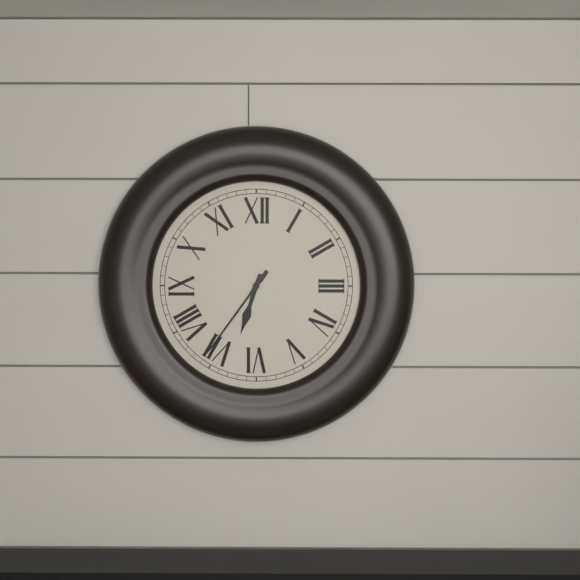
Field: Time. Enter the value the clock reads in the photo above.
6:36
